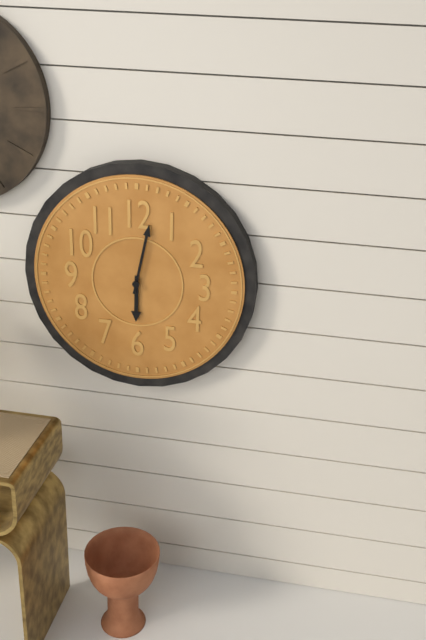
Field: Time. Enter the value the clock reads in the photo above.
6:02
